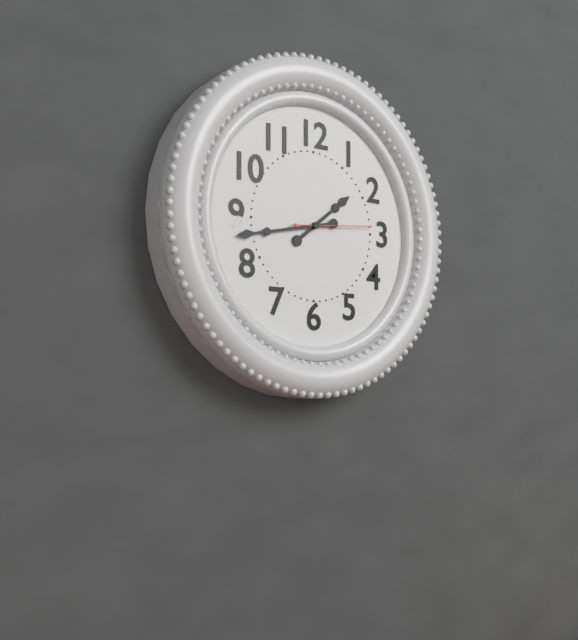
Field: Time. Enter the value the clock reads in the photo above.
1:43:14
